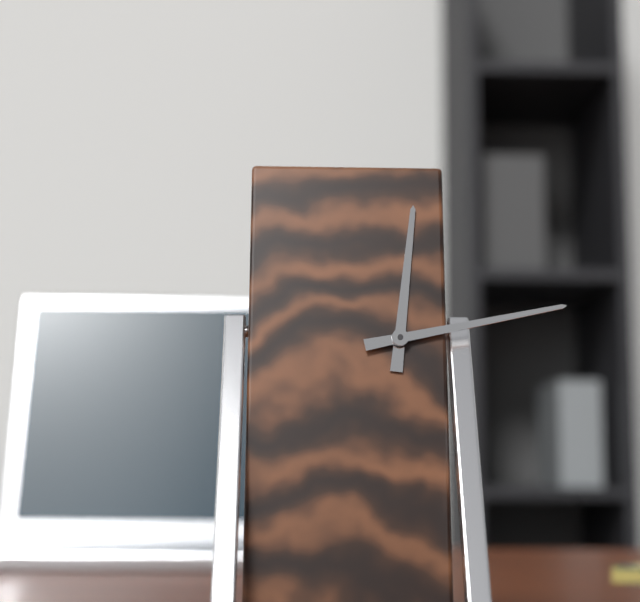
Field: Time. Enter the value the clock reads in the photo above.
12:13
